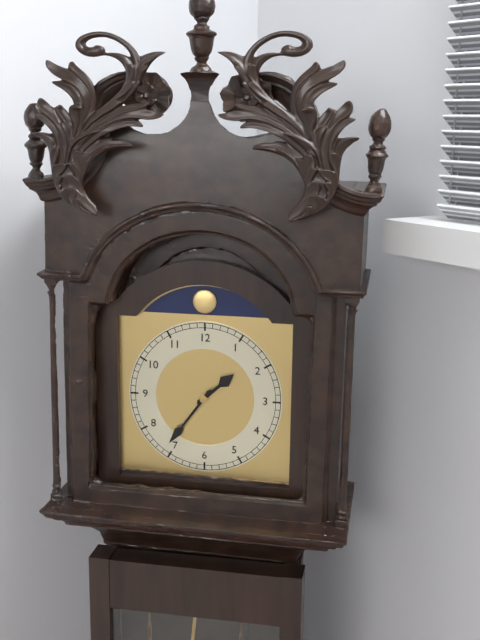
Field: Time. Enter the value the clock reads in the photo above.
1:36
